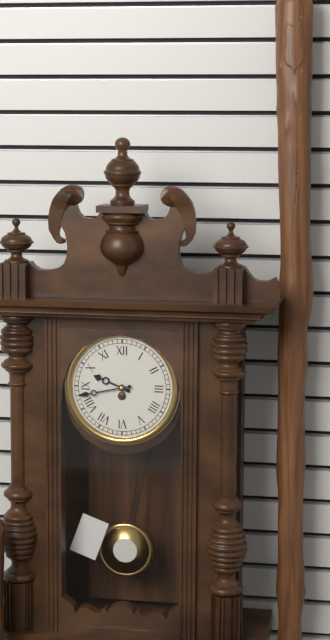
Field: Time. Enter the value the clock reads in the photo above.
9:43
